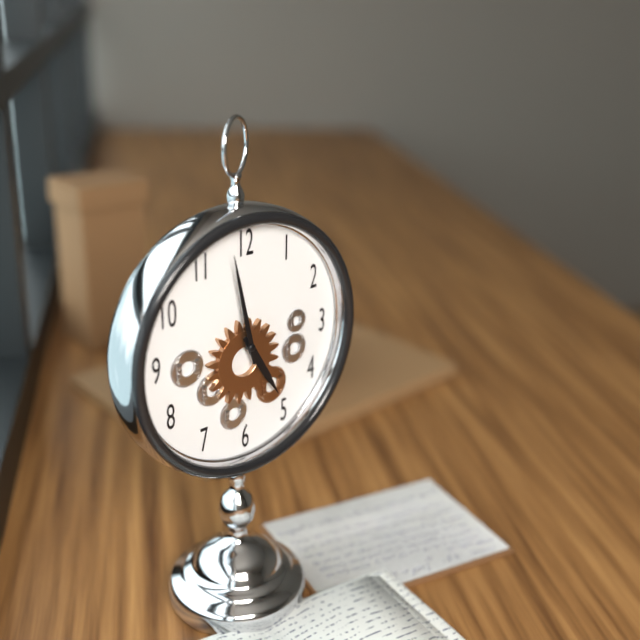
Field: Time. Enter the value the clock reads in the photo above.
4:58
